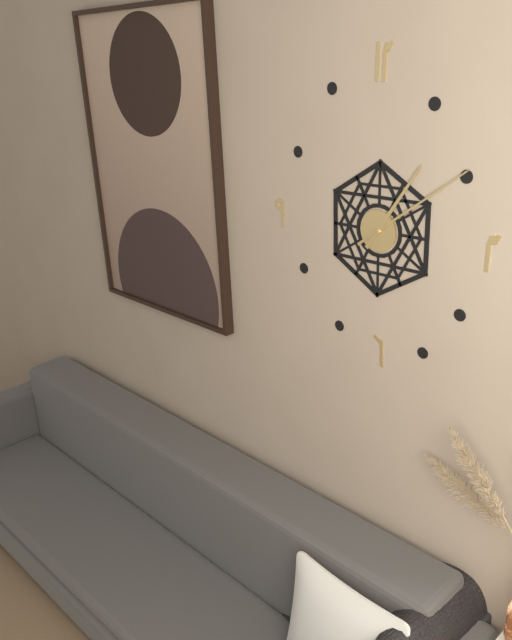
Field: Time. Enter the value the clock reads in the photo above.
1:09
